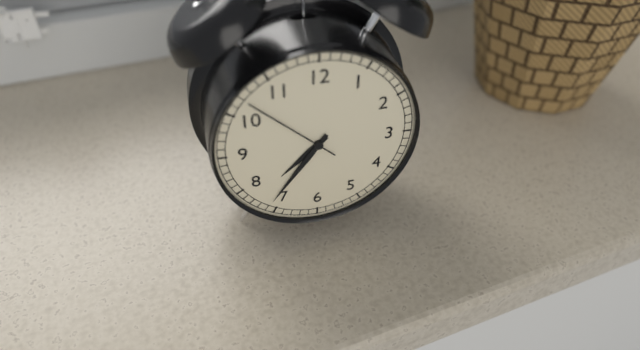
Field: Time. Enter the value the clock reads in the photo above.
7:36:52
